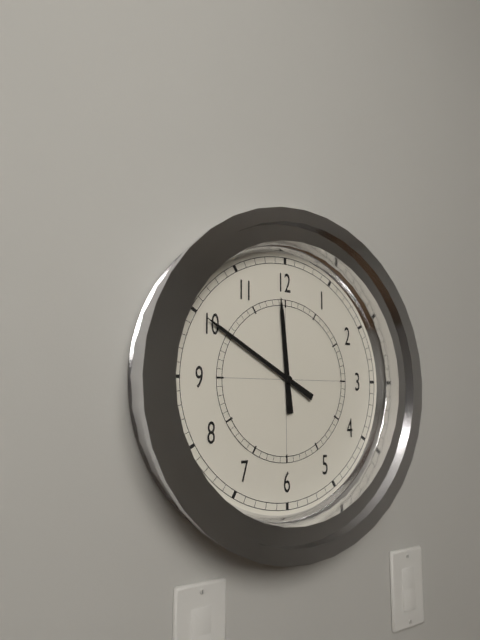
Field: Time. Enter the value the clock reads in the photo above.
11:50
